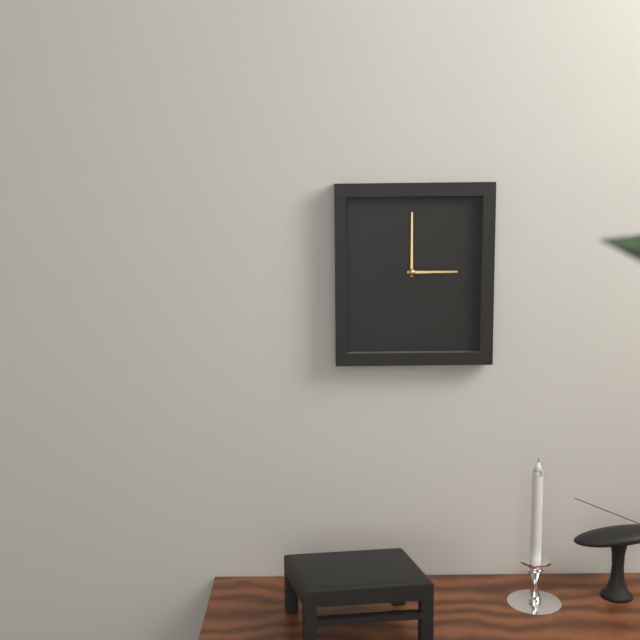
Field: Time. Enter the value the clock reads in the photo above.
3:00
